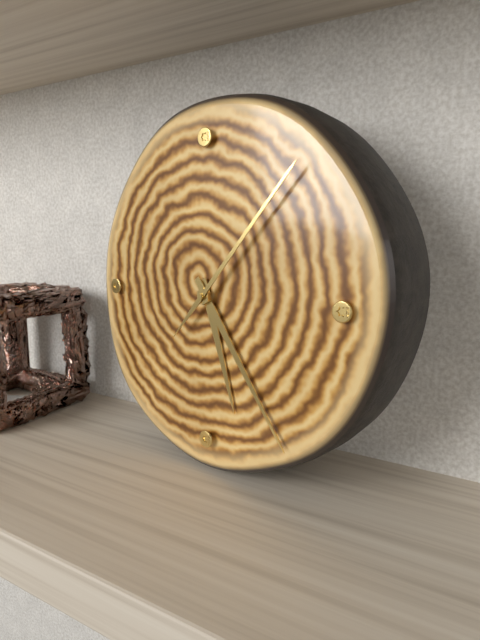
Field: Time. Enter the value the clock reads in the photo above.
5:24:07
